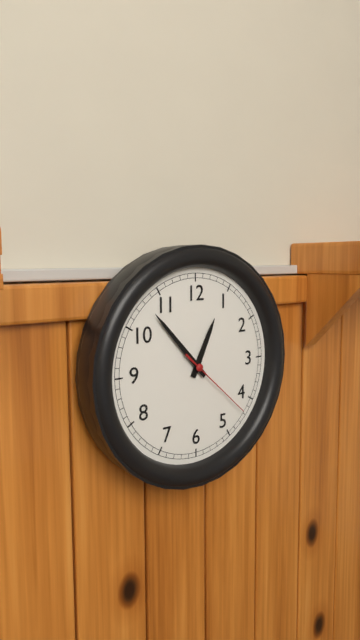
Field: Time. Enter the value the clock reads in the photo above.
12:53:22
